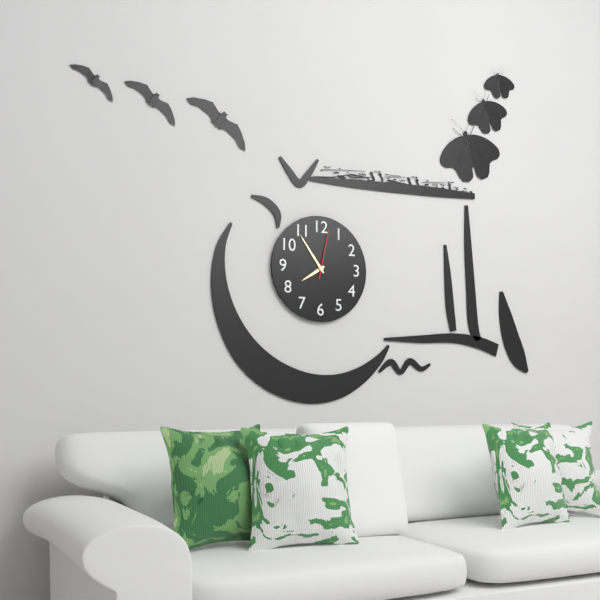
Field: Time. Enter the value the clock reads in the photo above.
7:54:02
